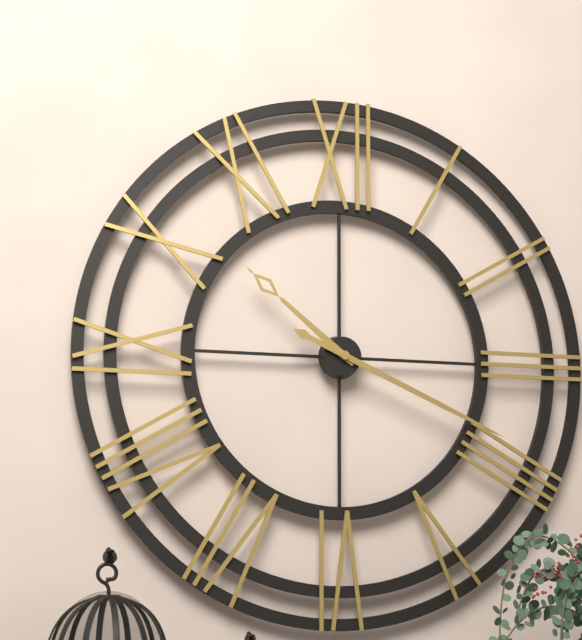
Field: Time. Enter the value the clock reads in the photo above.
10:19
